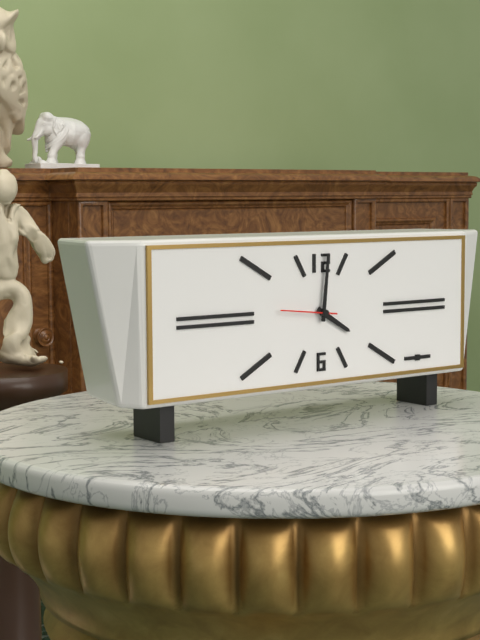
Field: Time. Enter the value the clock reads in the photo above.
4:01
